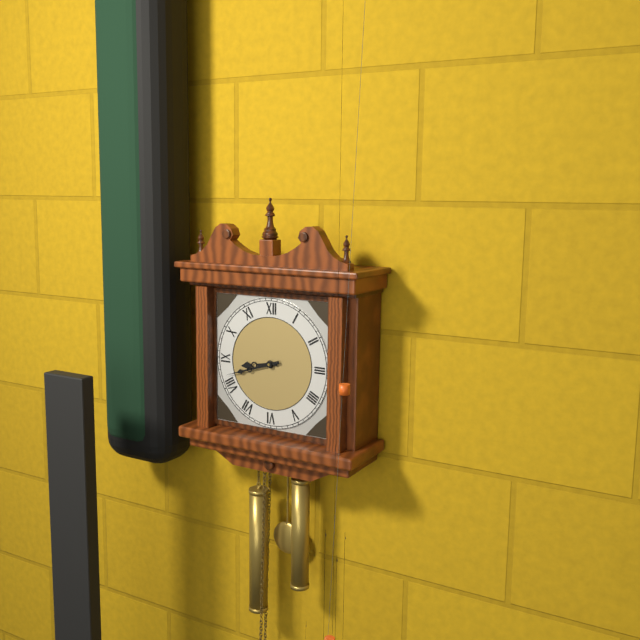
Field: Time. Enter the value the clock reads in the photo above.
8:42
